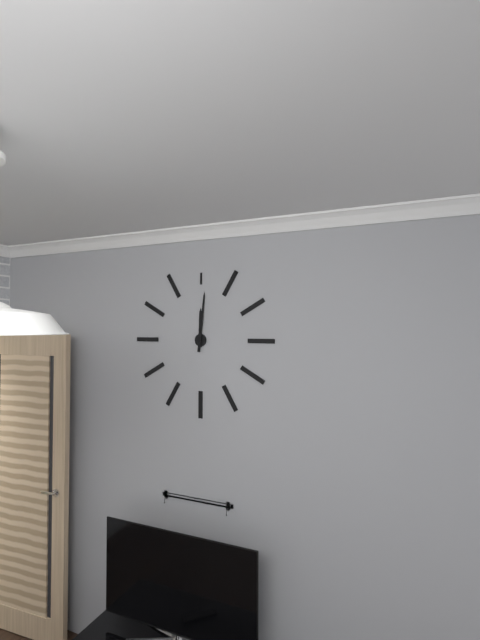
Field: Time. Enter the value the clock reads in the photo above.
12:01
